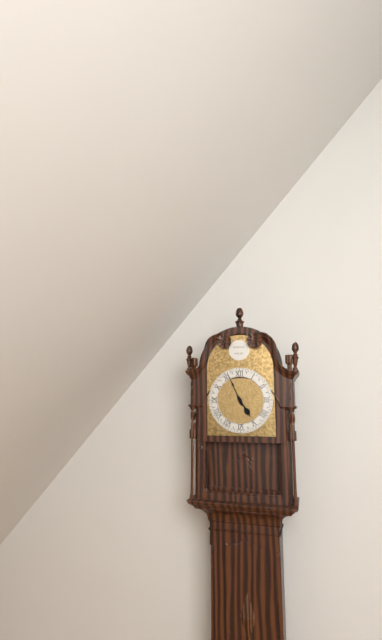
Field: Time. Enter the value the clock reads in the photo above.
4:56
